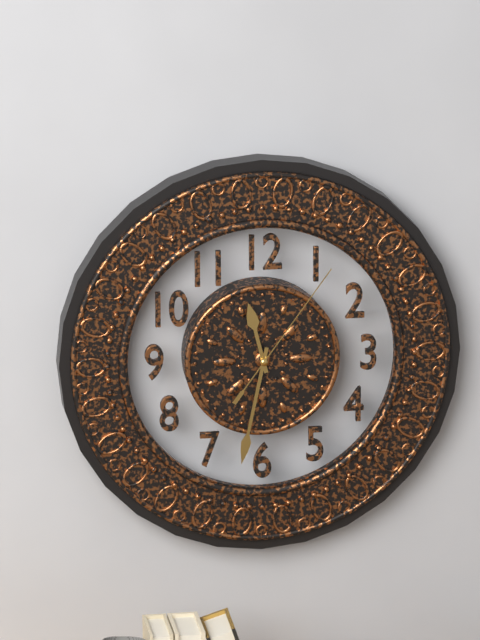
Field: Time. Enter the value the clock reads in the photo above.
11:32:06
